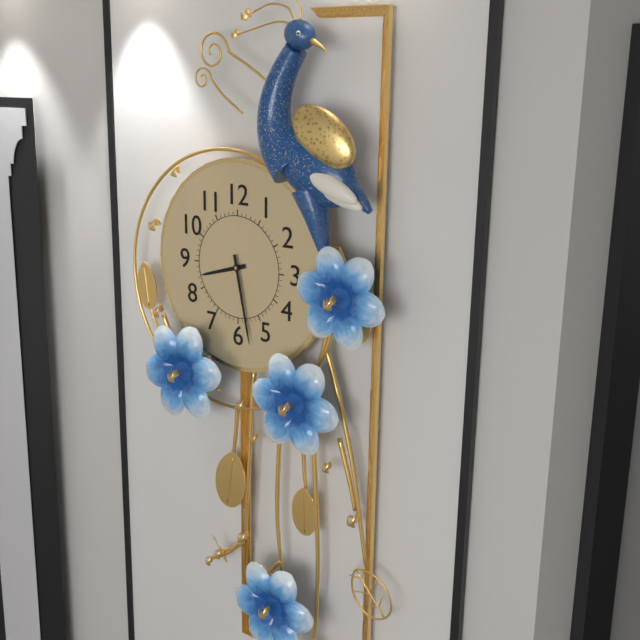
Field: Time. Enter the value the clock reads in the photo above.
8:28
